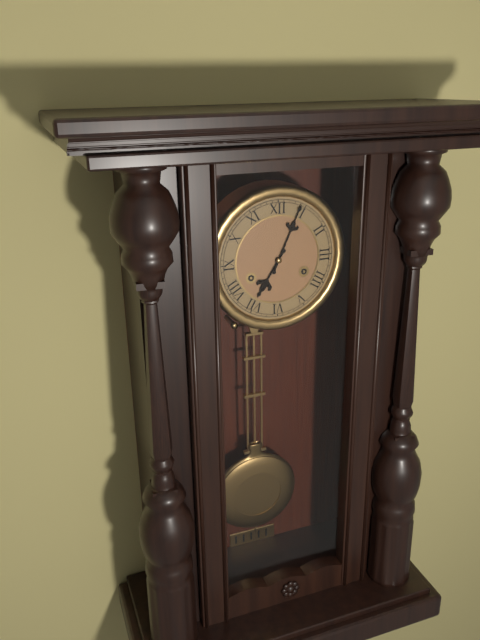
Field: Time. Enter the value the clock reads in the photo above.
7:04
